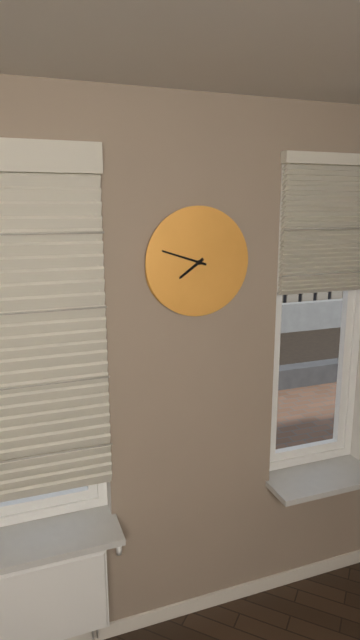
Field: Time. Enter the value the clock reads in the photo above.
7:48
